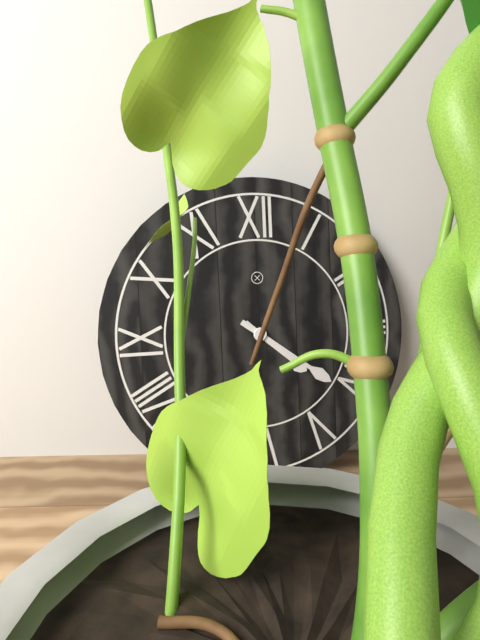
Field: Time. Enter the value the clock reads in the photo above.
4:21
